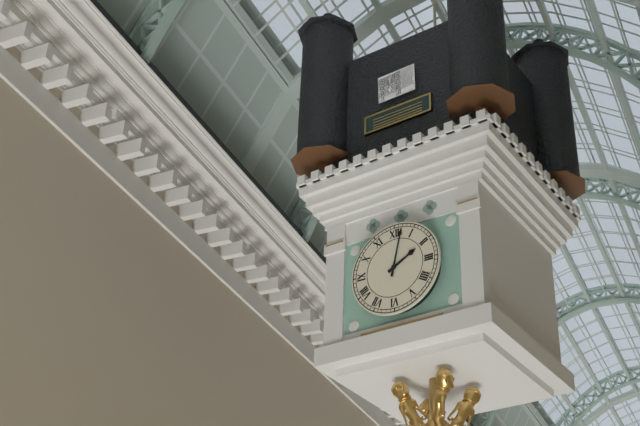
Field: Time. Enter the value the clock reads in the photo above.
2:02
